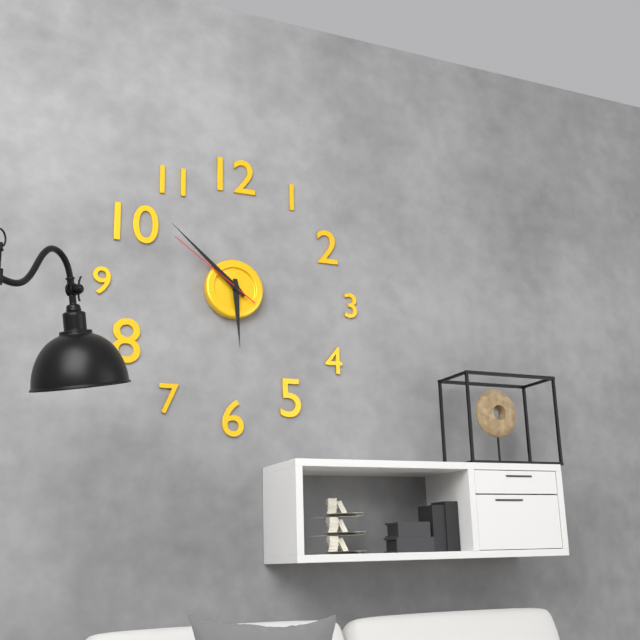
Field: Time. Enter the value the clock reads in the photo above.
5:52:51
